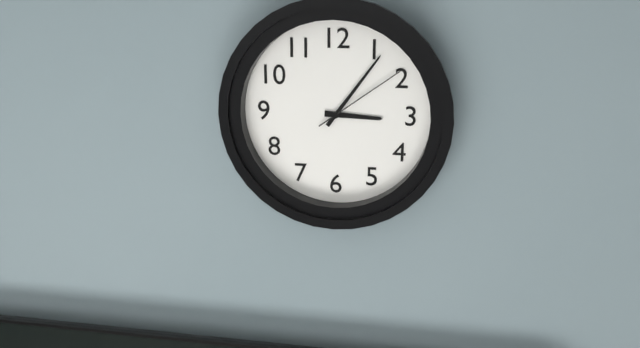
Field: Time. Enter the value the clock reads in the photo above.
3:06:09
